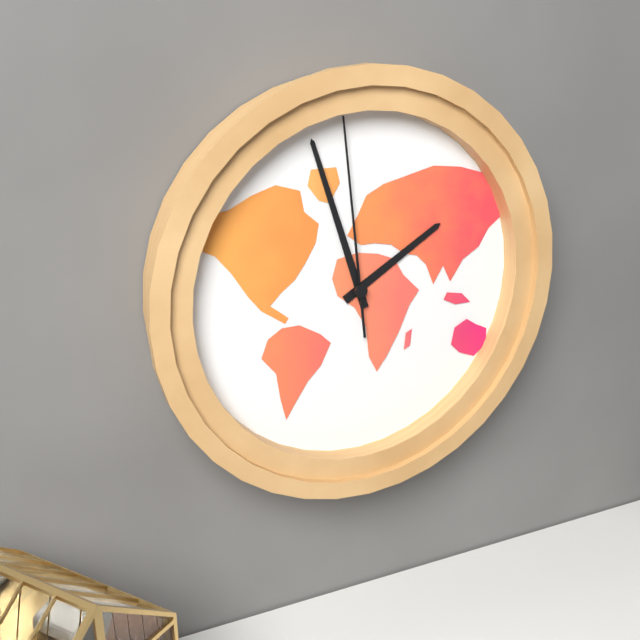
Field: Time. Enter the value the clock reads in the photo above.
1:57:59
